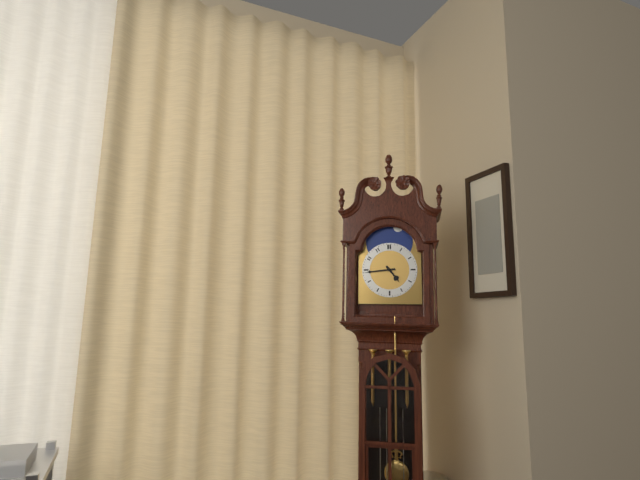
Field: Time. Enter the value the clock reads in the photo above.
4:44
